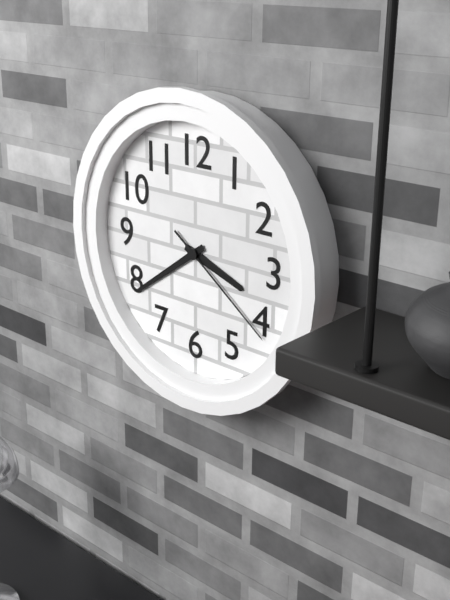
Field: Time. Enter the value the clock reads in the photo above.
3:39:21
